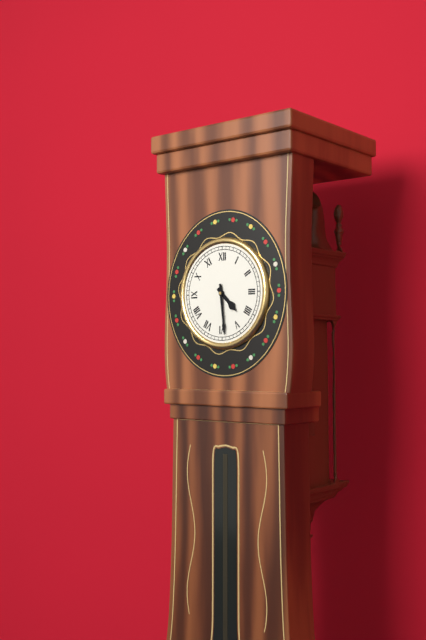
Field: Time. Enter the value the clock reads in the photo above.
4:29
